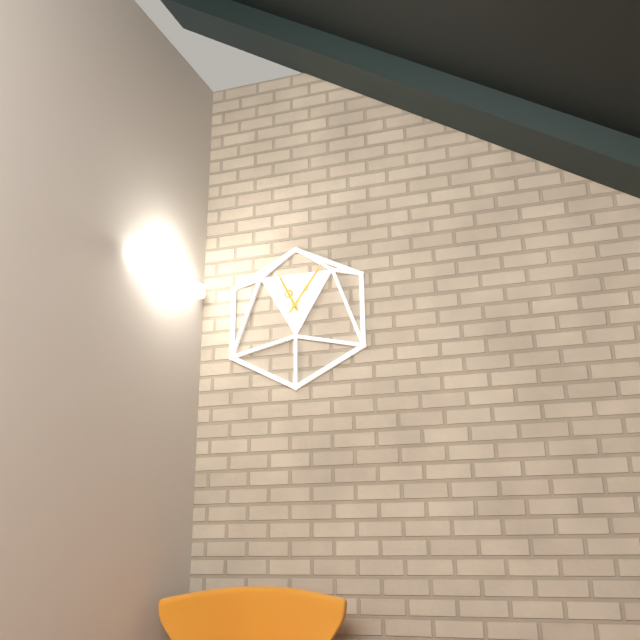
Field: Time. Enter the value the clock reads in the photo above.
11:06
